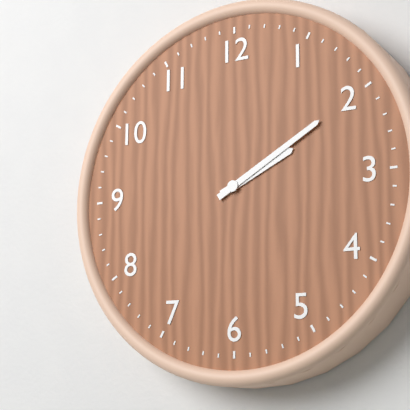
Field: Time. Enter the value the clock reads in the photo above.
2:10
